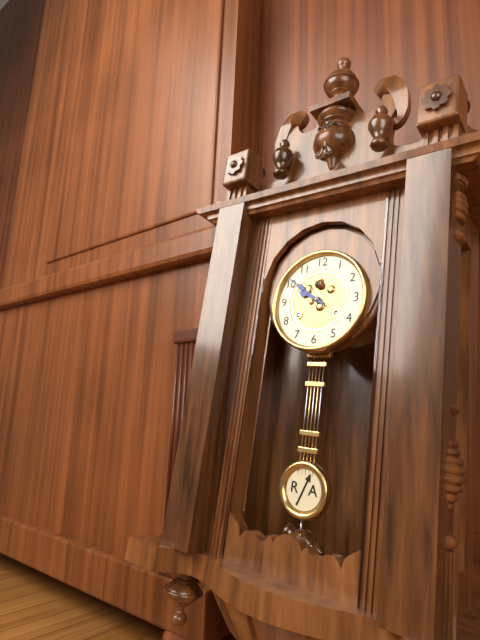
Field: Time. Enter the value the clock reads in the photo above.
9:51
